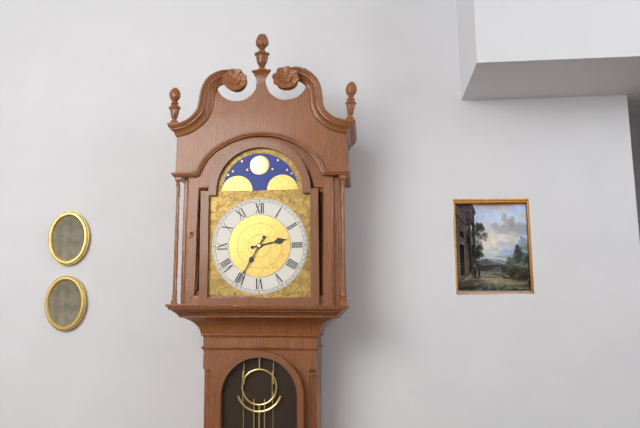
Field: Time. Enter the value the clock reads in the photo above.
2:35
